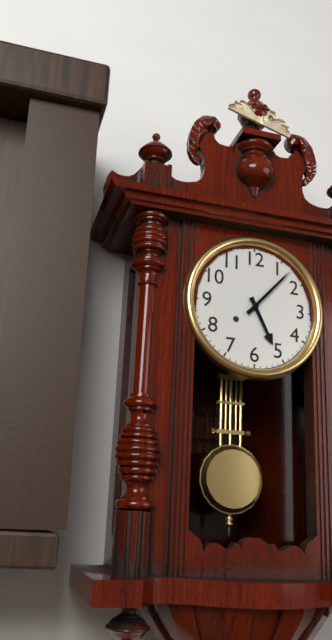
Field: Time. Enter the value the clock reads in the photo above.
5:07
